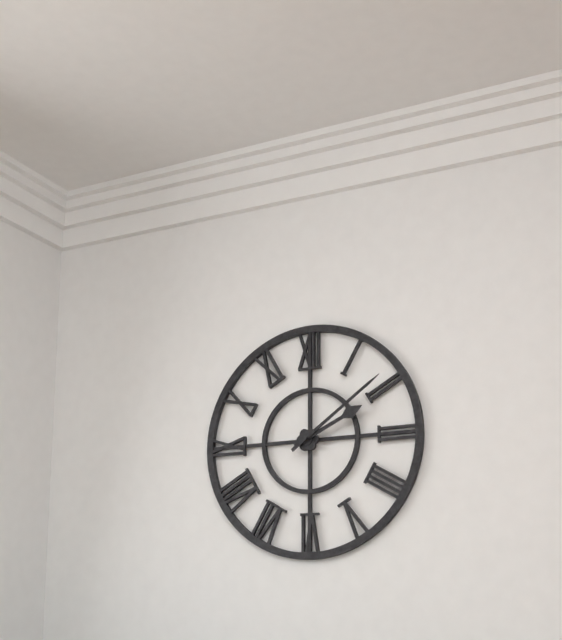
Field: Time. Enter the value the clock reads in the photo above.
2:09
